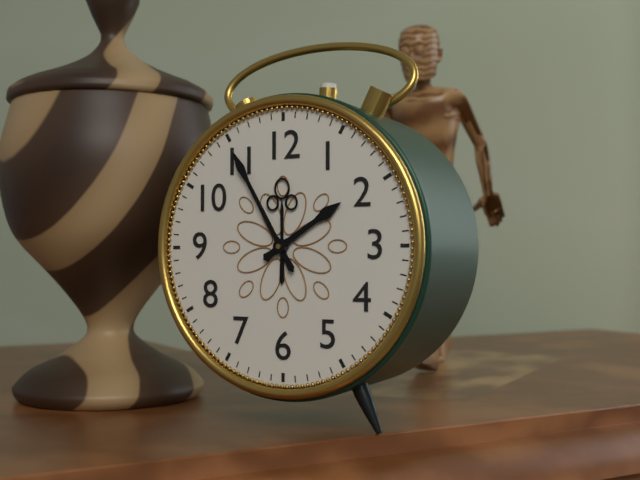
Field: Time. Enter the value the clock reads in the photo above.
1:55
